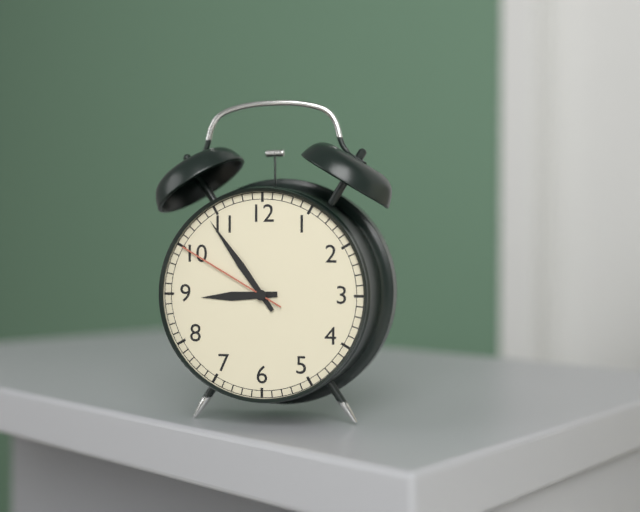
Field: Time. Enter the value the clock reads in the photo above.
8:54:50
